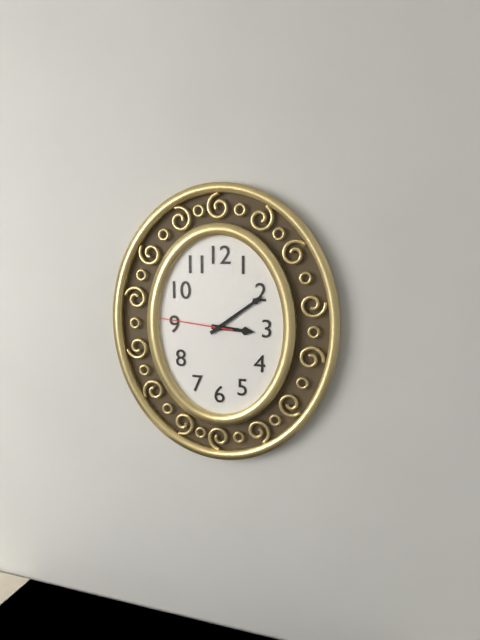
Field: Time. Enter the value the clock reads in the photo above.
3:09:46
